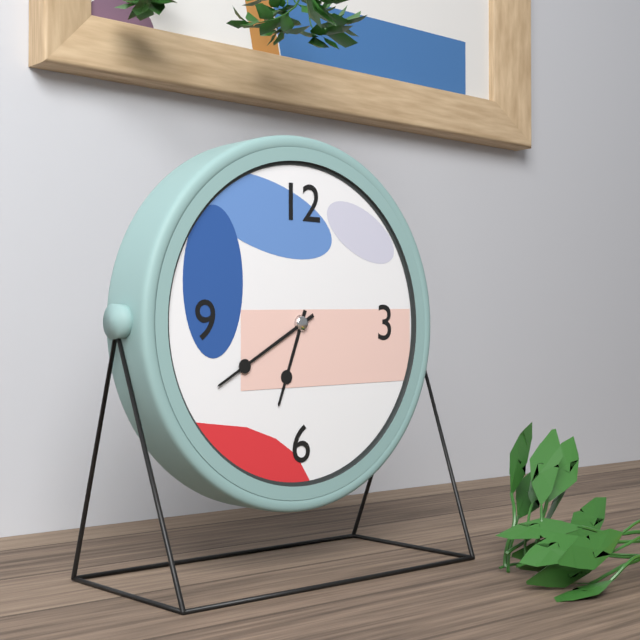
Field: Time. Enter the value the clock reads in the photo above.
6:40
